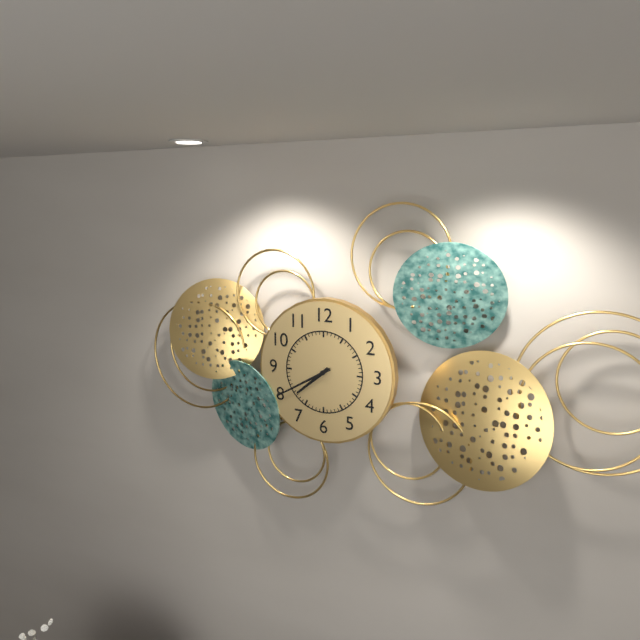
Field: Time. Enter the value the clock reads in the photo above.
7:40
